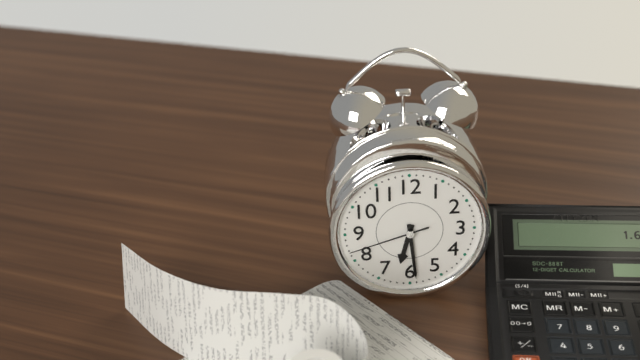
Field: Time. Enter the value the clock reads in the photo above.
6:29:42
